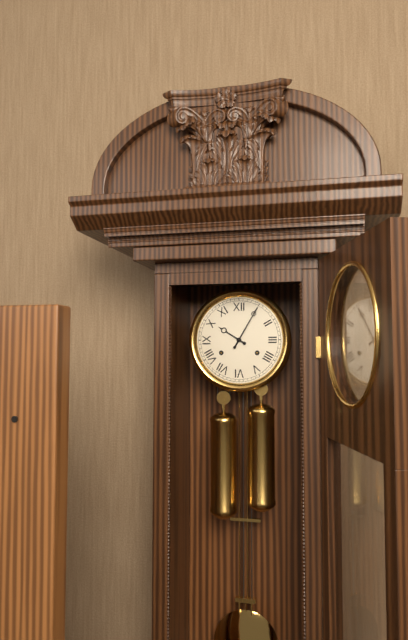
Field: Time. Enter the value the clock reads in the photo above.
10:05
